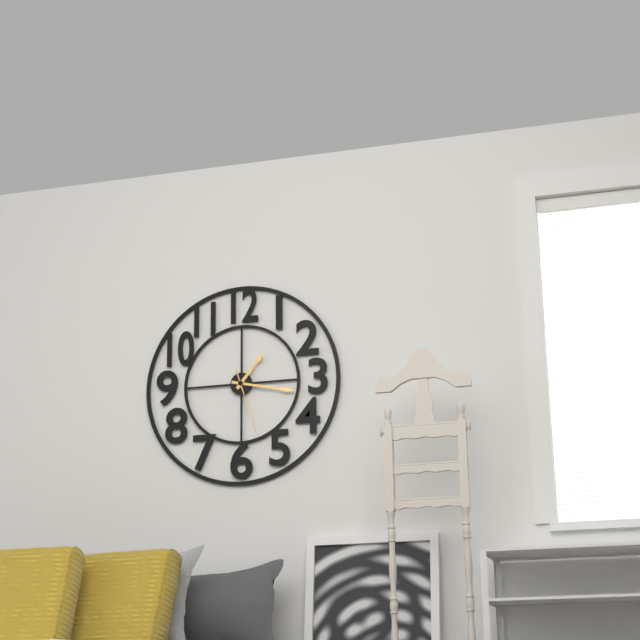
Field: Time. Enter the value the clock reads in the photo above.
1:17:27
